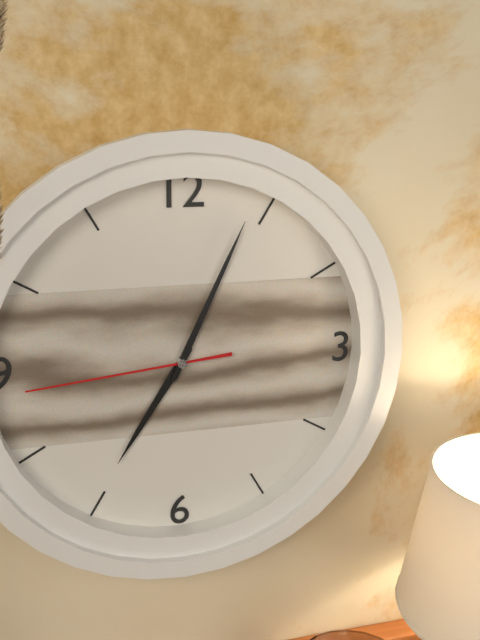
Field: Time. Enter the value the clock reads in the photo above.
7:04:44
